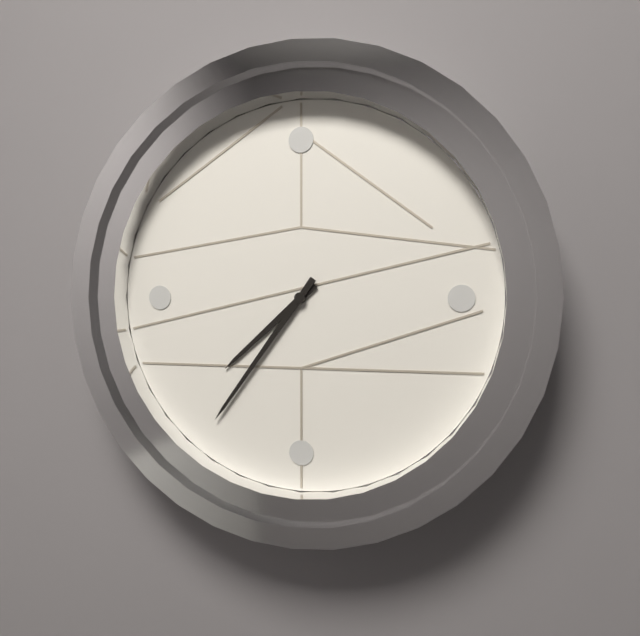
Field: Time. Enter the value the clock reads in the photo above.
7:36
